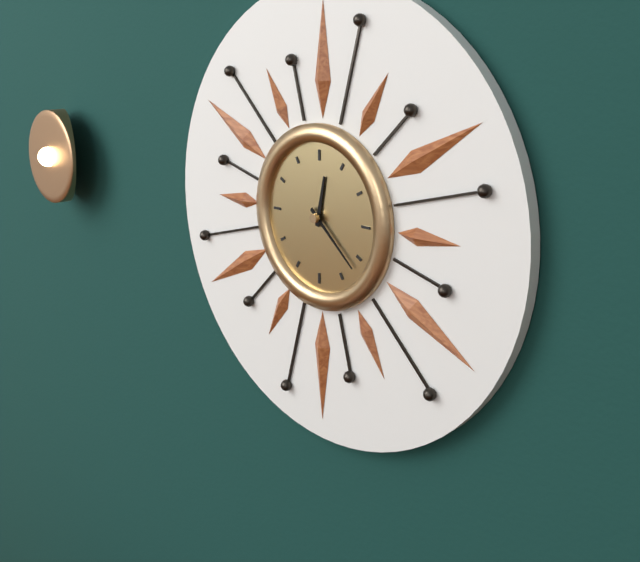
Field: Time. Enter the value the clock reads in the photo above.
12:22
